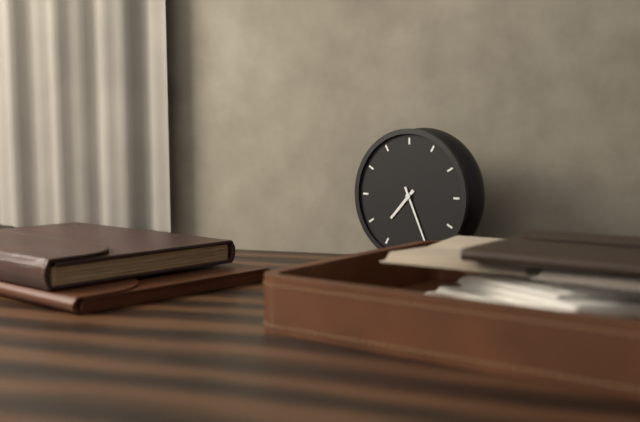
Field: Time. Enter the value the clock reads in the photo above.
7:26
